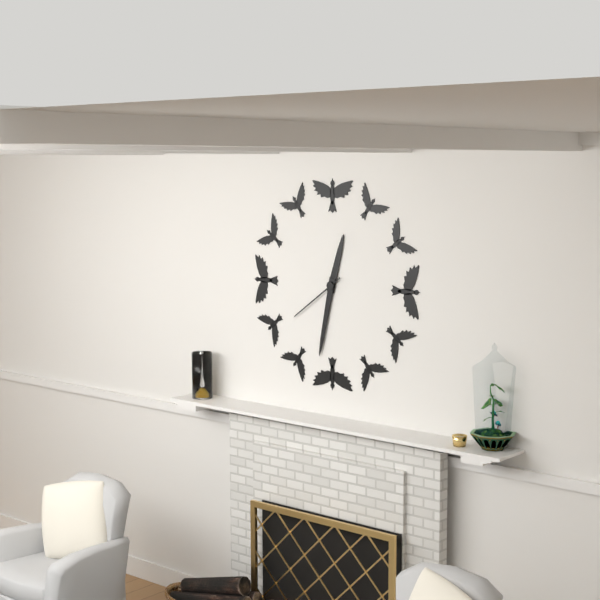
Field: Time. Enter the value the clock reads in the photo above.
12:32:39
